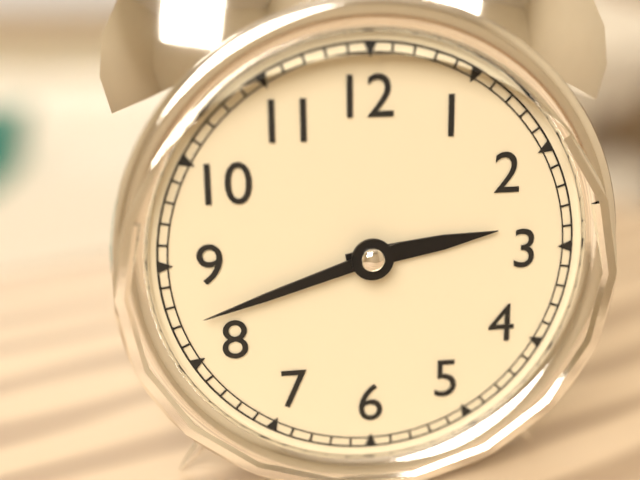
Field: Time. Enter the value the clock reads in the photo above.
2:42
